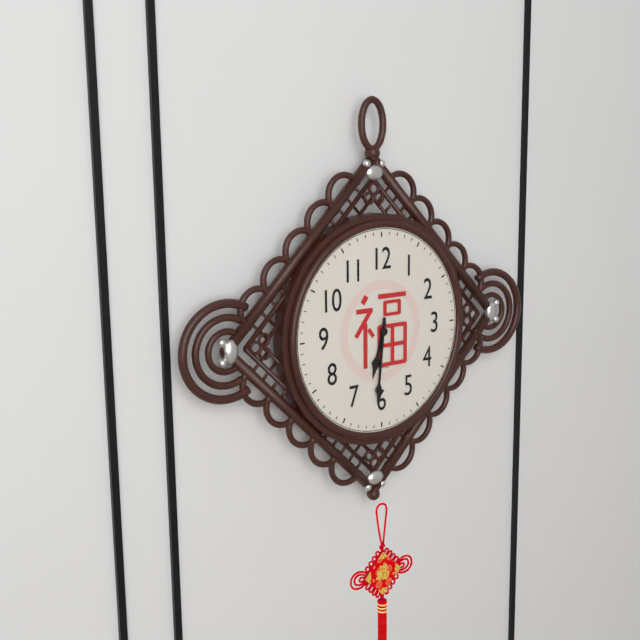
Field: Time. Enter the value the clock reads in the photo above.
6:31
